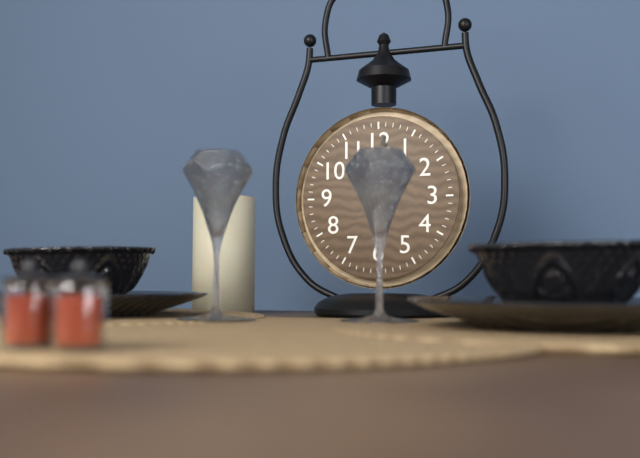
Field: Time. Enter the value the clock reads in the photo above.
12:01
